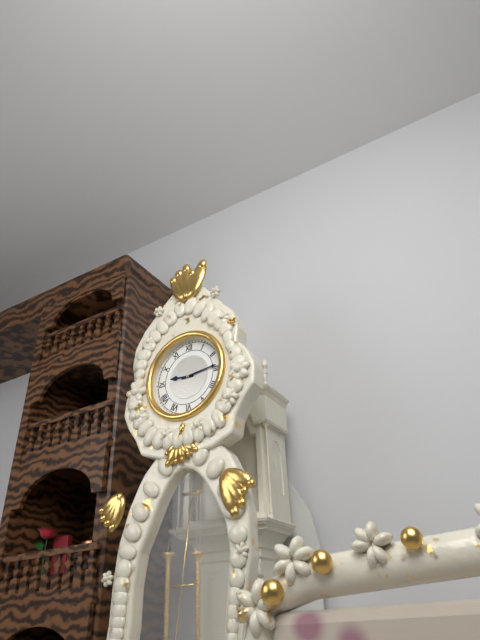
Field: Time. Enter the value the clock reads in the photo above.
9:14
